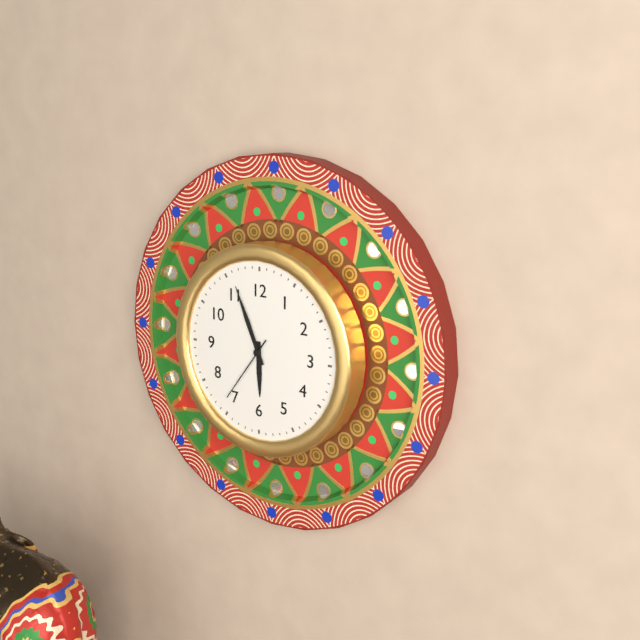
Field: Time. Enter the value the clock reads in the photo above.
5:56:36
